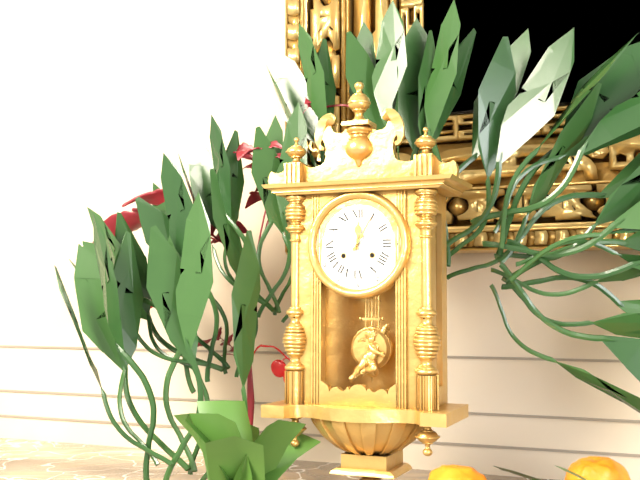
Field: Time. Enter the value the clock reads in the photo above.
12:05
